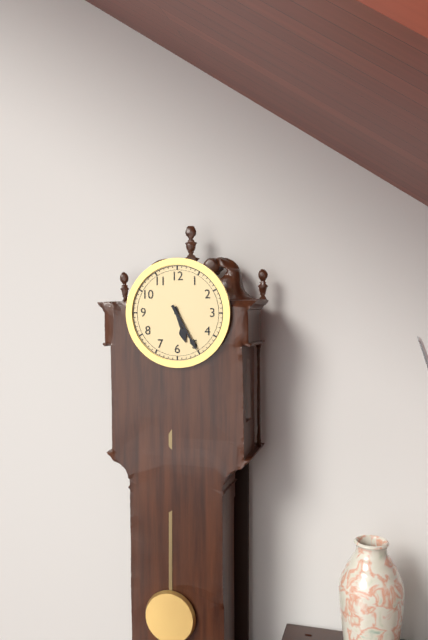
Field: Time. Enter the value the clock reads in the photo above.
5:25
